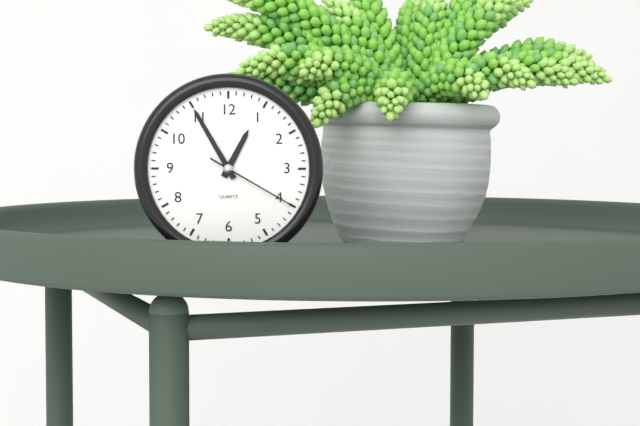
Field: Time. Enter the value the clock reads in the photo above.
12:55:20
